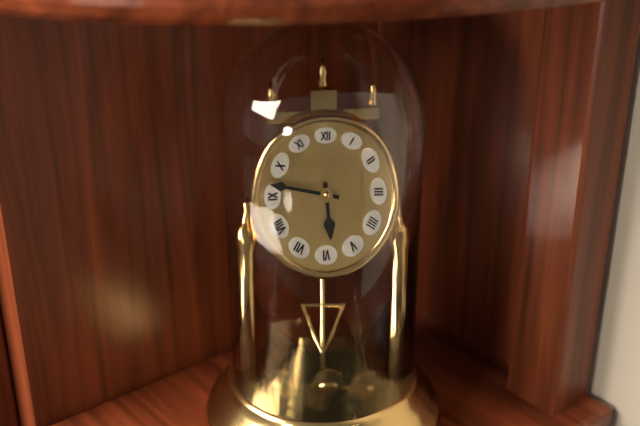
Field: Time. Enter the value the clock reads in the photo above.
5:47
